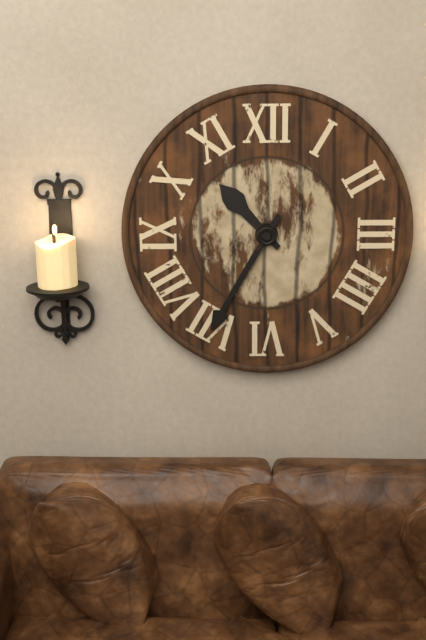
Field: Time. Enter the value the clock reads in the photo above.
10:35
